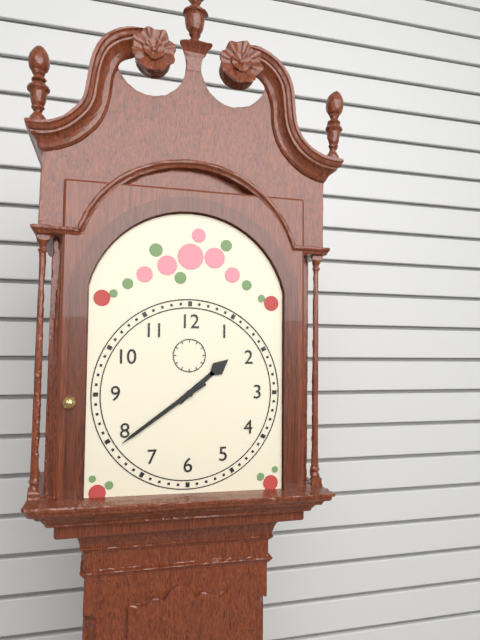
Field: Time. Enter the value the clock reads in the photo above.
1:39
